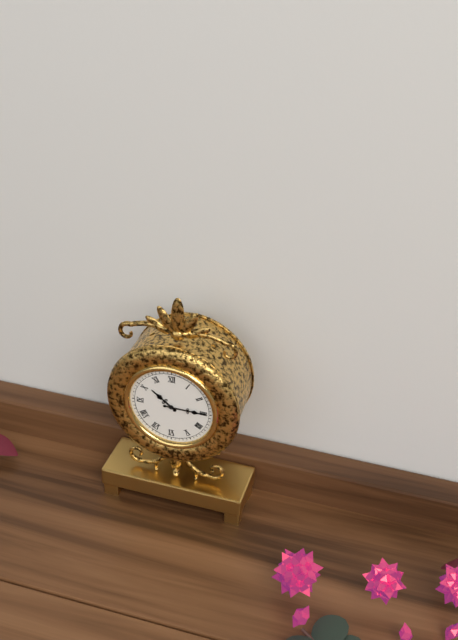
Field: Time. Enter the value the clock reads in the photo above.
10:15
